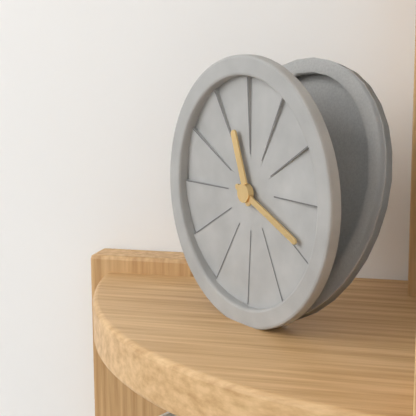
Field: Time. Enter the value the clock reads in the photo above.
11:19
